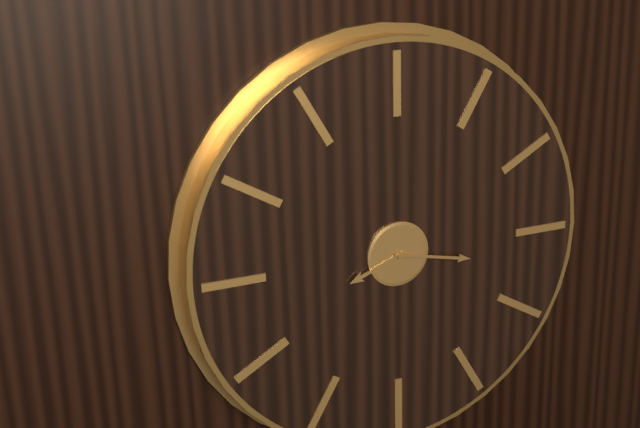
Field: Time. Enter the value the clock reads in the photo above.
8:17
